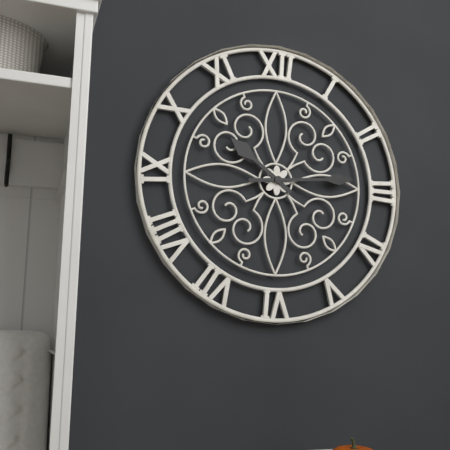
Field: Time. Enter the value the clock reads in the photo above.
10:14
